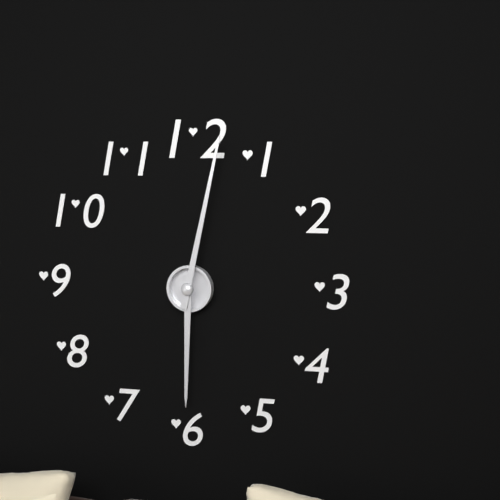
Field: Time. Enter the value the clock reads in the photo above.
6:02
